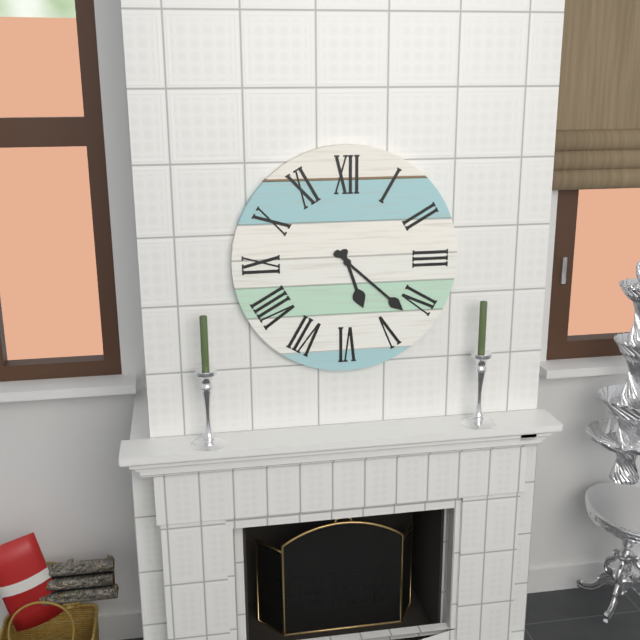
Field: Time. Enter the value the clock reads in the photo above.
5:22
